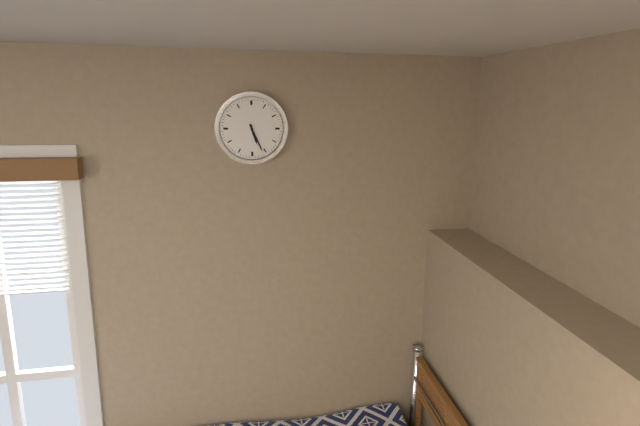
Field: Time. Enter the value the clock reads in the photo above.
5:26
